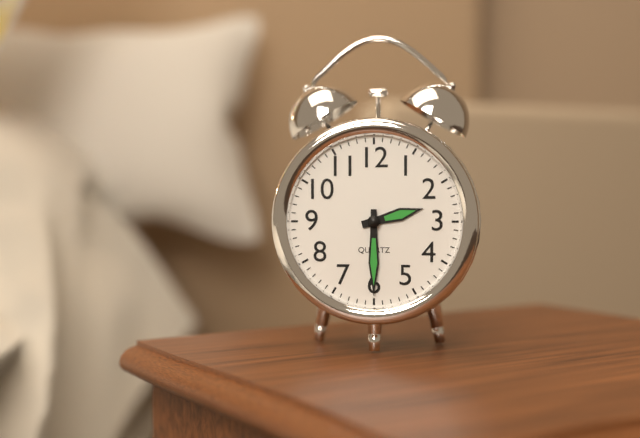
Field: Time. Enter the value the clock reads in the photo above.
2:30
